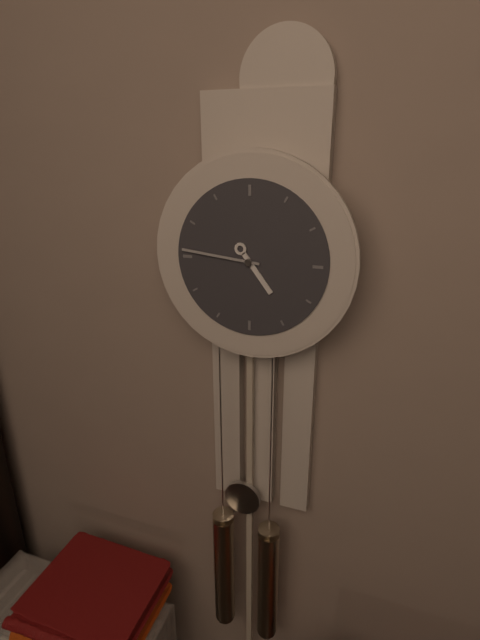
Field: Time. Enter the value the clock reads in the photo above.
4:46
